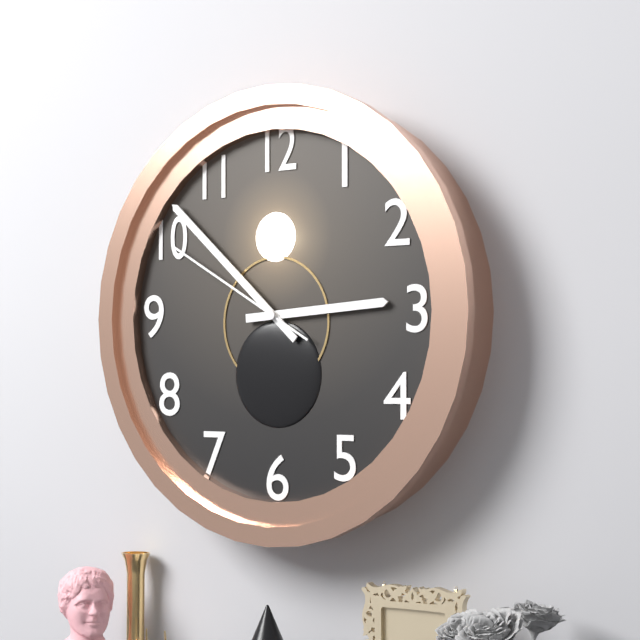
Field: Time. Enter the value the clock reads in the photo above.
2:52:50
